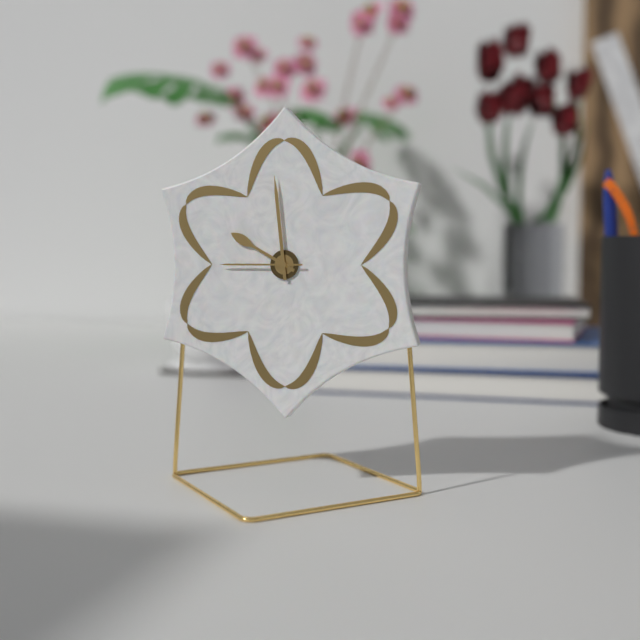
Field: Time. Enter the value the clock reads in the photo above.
9:59:45
